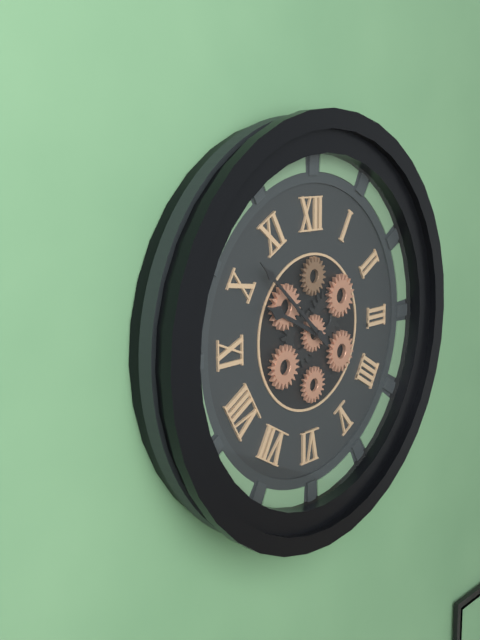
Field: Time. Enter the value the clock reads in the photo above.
9:52
